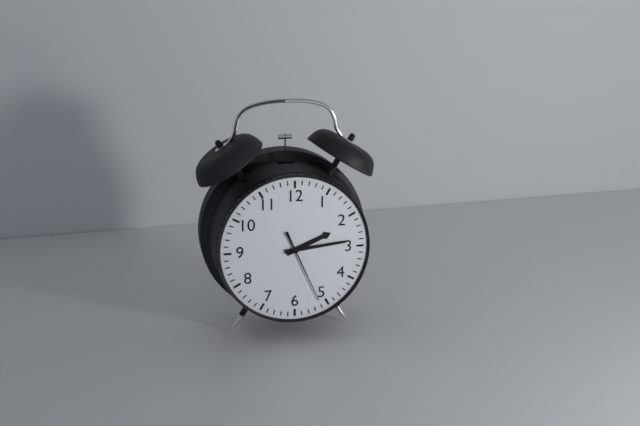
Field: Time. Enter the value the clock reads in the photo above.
2:14:26
